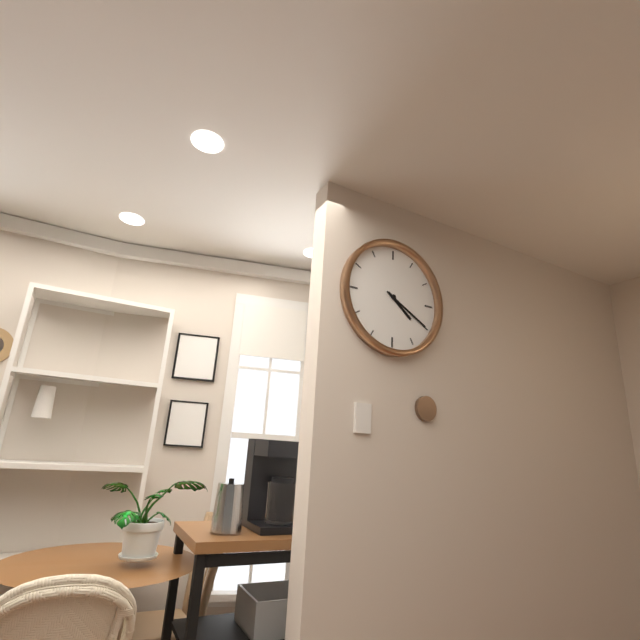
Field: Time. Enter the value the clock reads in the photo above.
4:20
